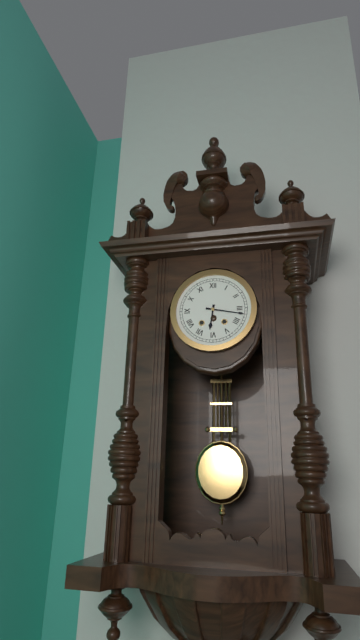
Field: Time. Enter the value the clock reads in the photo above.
6:17
